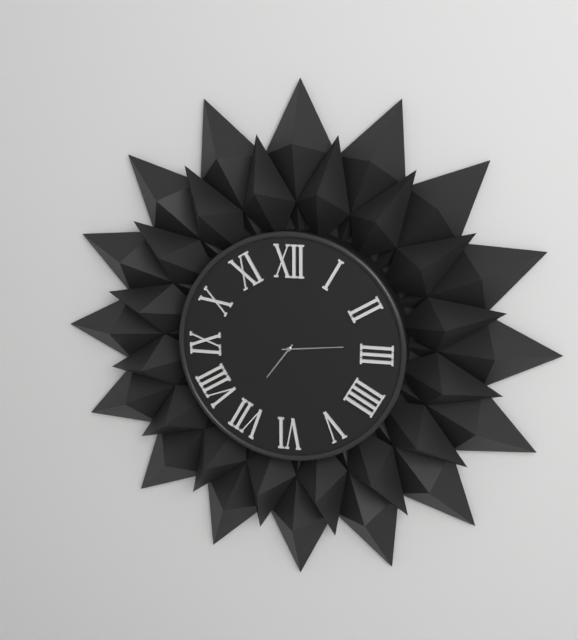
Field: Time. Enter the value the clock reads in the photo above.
7:14
